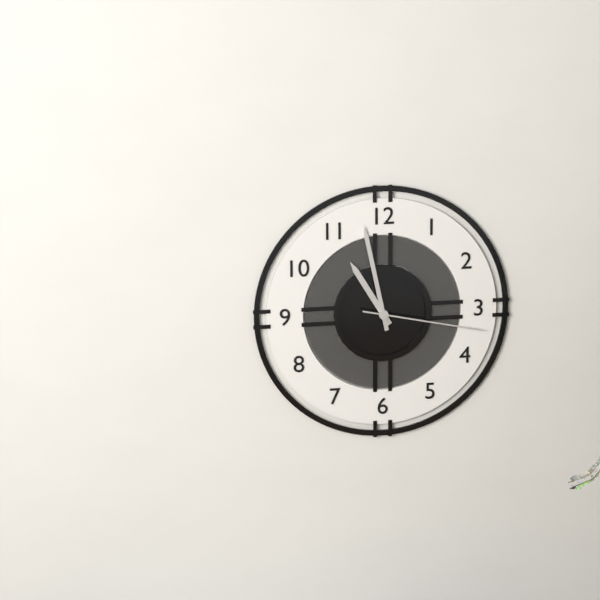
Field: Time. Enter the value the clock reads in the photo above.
10:58:17
